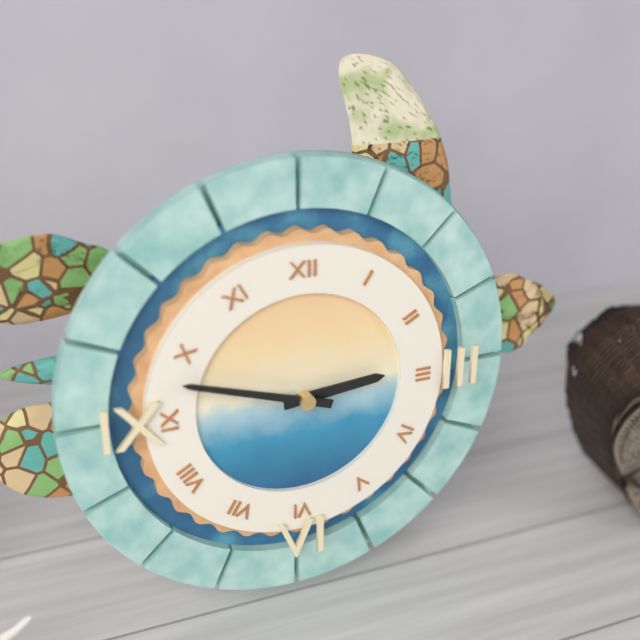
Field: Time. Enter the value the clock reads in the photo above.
2:48
